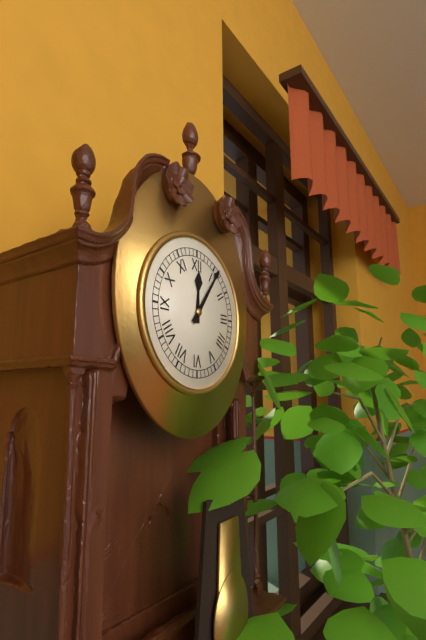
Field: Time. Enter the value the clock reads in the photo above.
12:06
